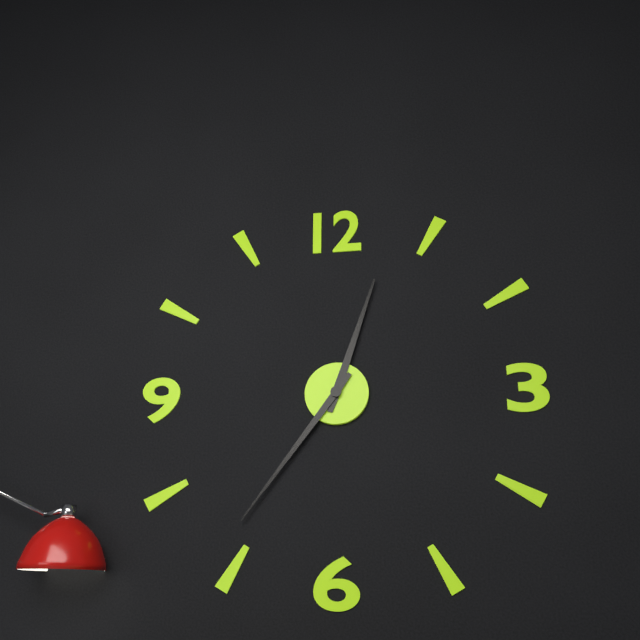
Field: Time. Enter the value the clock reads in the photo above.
12:36
